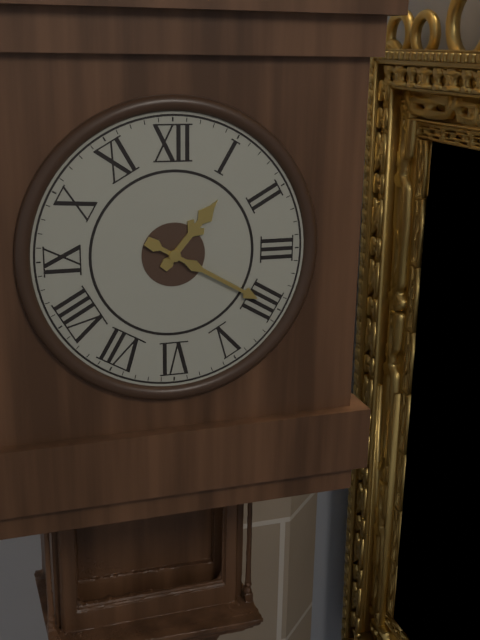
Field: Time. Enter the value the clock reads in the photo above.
1:20
